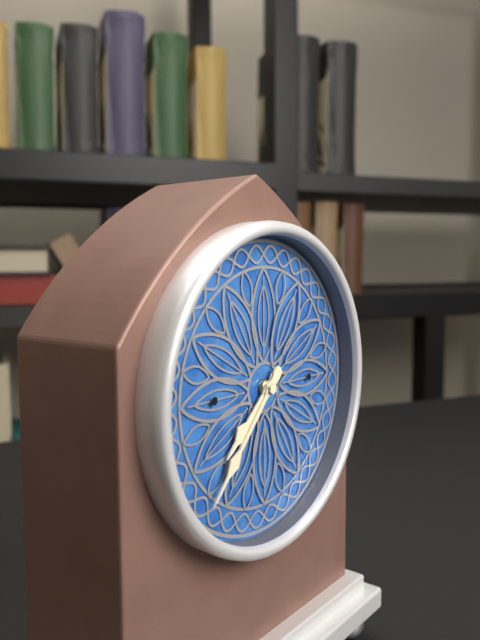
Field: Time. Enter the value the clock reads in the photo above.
7:37
